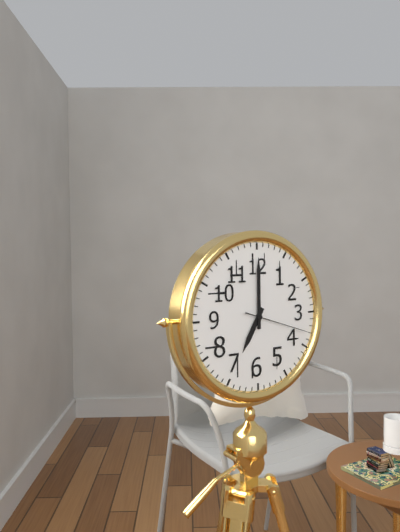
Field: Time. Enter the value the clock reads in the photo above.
7:00:18
